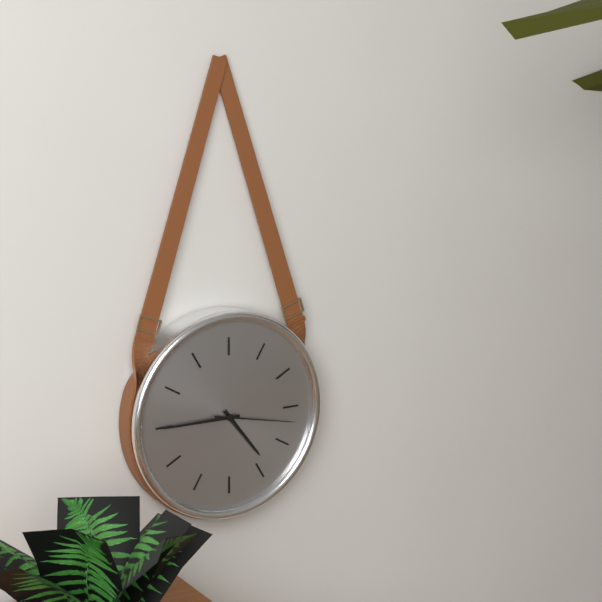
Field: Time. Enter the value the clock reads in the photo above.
4:45:17
